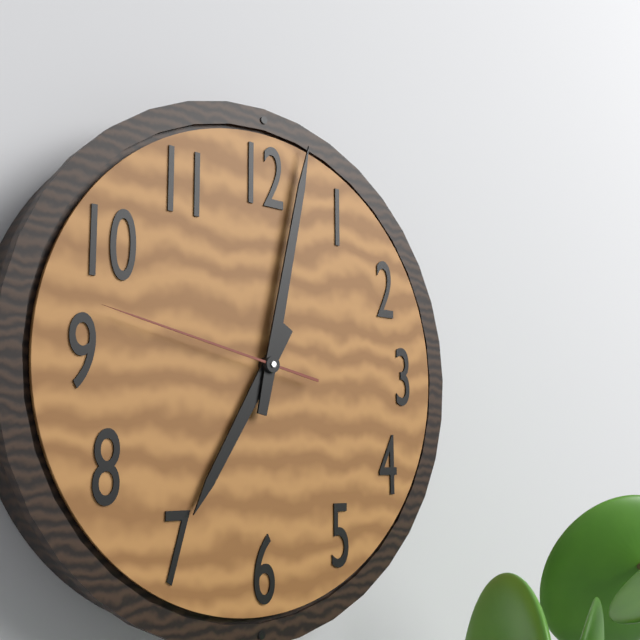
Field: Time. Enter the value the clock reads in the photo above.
7:02:47
